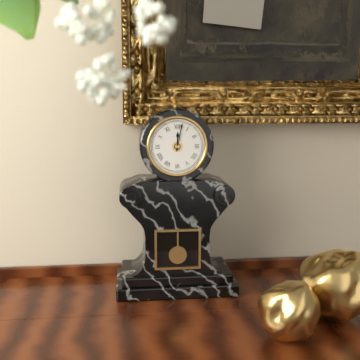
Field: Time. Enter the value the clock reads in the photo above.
12:02
